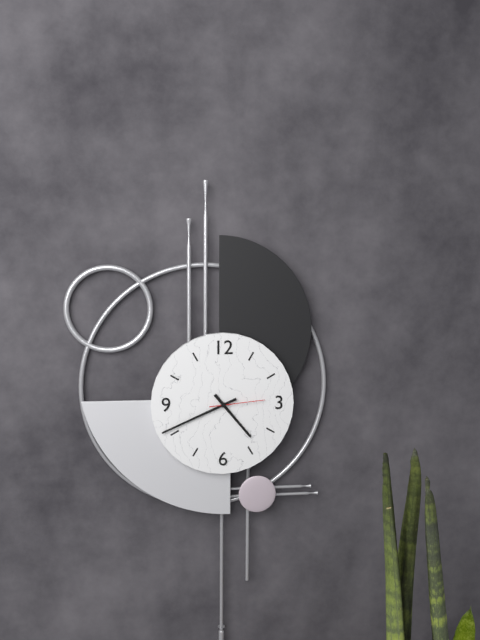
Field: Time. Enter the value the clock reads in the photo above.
4:41:14
